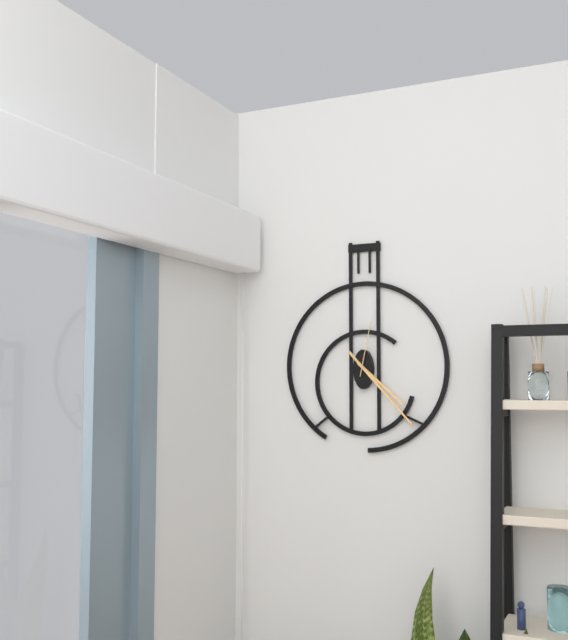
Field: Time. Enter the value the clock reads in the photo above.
4:23:02
